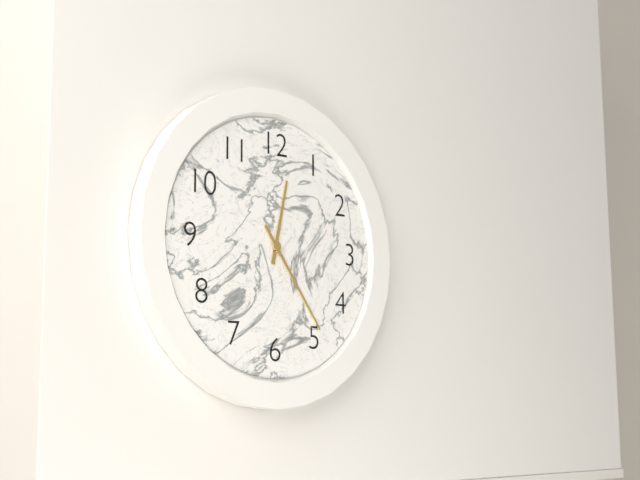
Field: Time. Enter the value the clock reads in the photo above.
12:24
